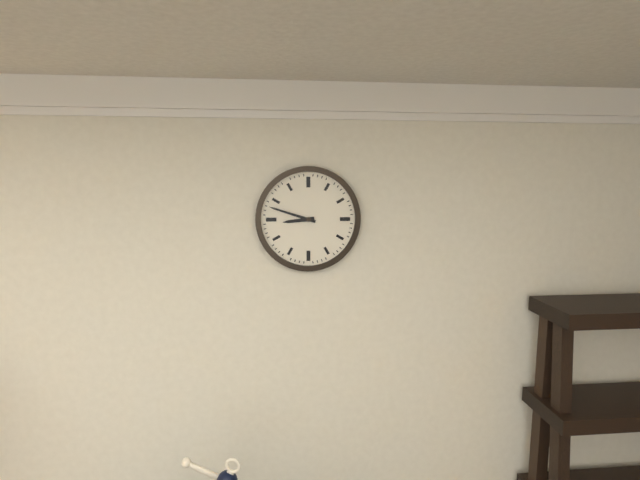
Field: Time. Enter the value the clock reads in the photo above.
8:48
